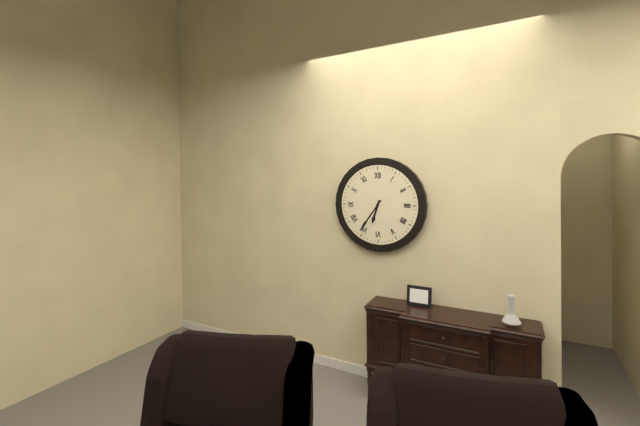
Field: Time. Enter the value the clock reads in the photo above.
6:36
